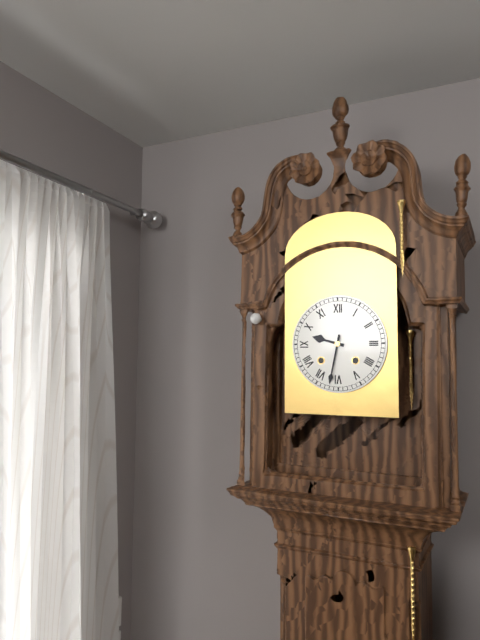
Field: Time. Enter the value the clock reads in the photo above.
9:32
